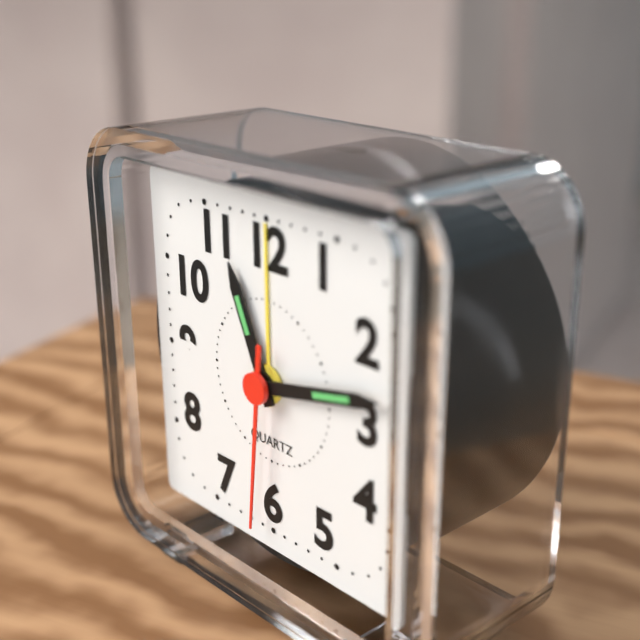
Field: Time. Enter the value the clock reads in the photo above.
11:13:31
